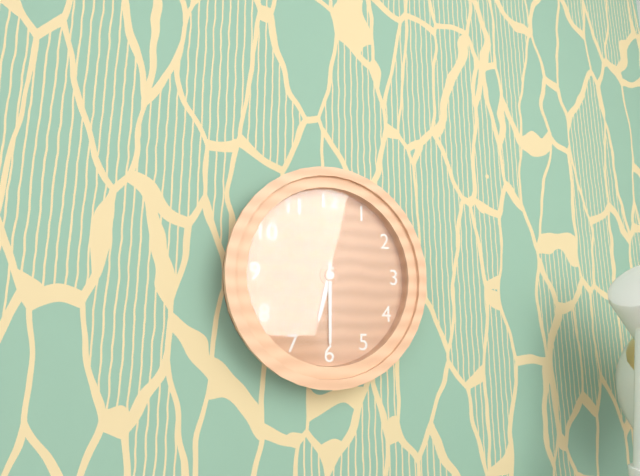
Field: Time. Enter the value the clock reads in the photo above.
6:30
